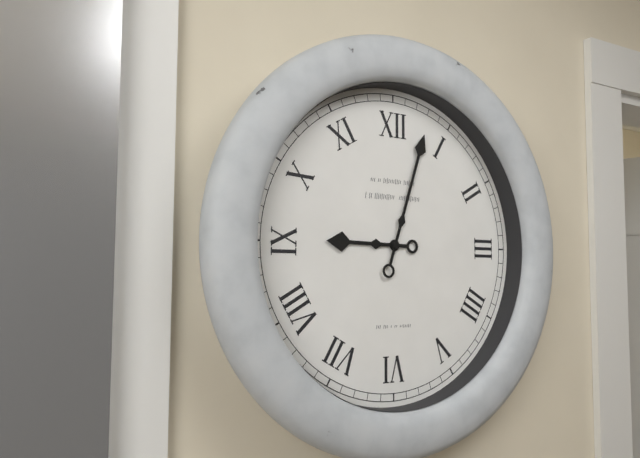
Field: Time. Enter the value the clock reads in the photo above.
9:03
